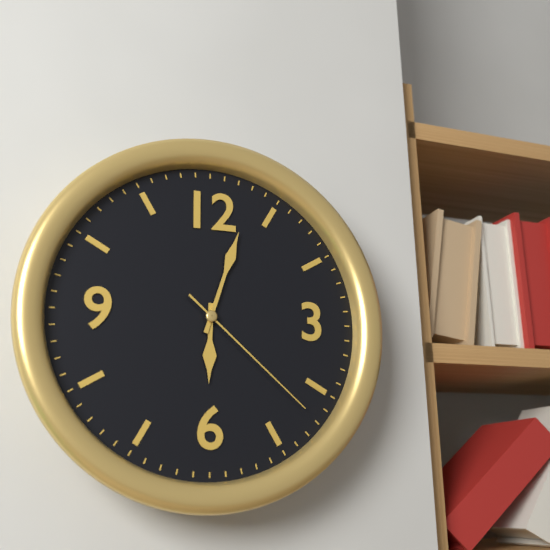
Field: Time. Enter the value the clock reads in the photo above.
6:03:22
